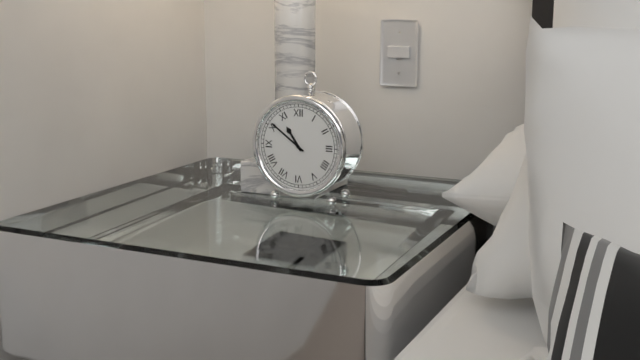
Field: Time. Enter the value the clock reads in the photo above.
10:51
